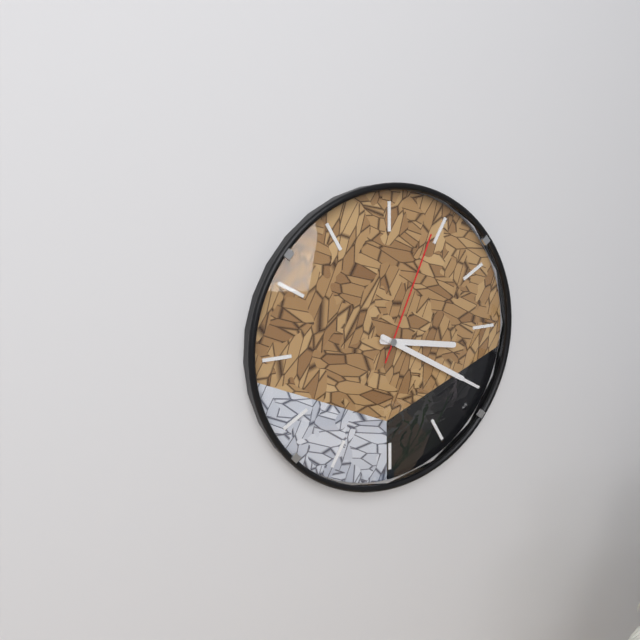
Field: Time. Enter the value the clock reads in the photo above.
3:20:04
